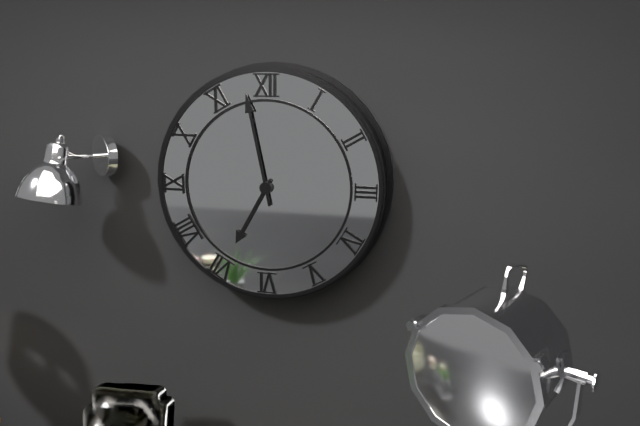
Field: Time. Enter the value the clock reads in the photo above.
6:58
